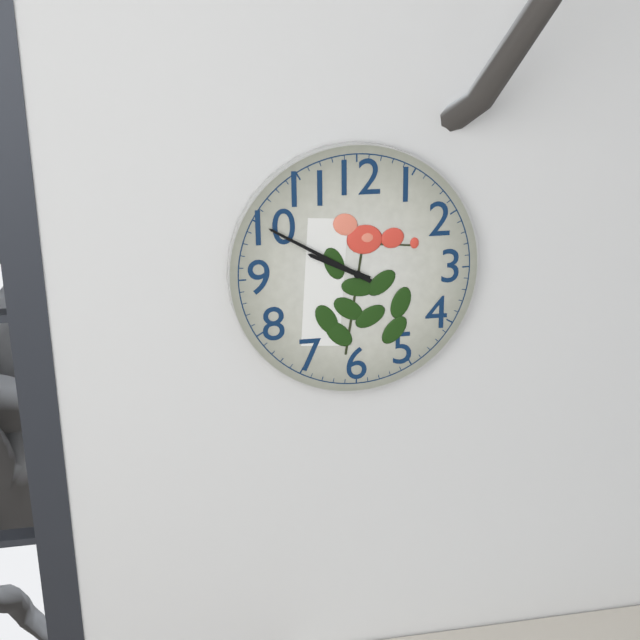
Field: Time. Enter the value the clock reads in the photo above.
9:50
